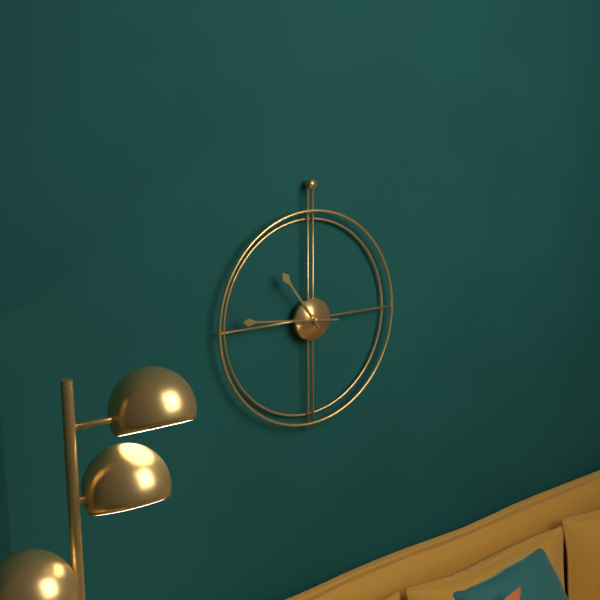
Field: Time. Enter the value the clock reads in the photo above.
10:46
